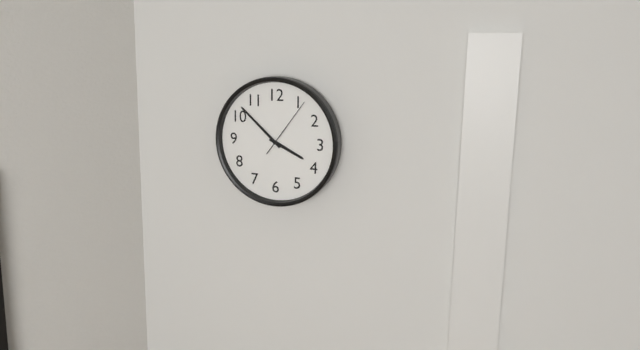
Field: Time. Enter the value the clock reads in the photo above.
3:52:06
